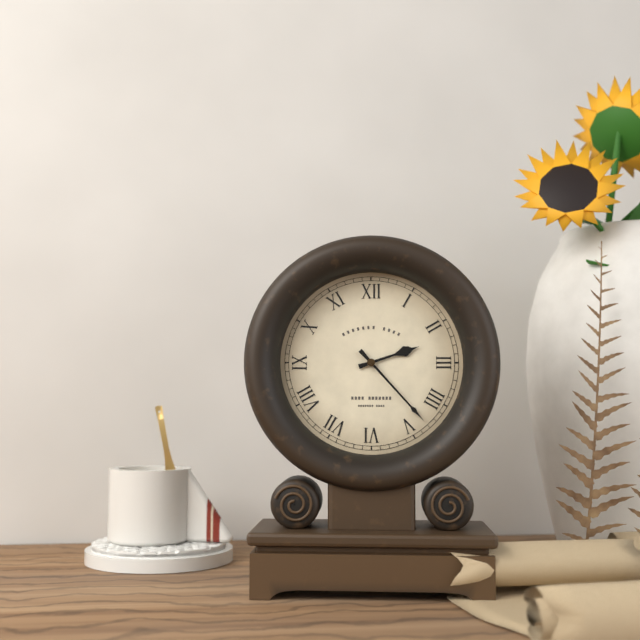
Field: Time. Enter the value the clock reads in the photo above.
2:23
